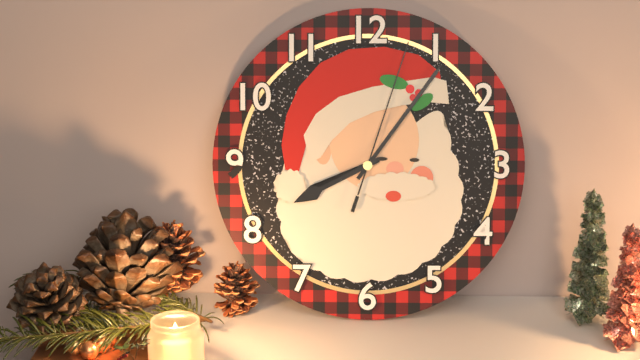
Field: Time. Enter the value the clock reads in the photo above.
8:06:03
